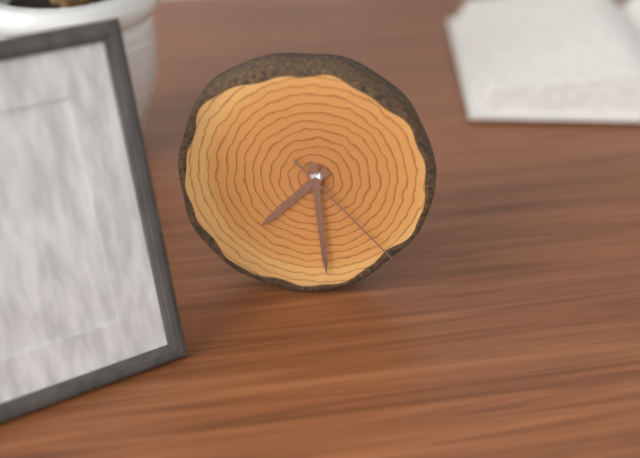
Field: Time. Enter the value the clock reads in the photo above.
7:29:23
